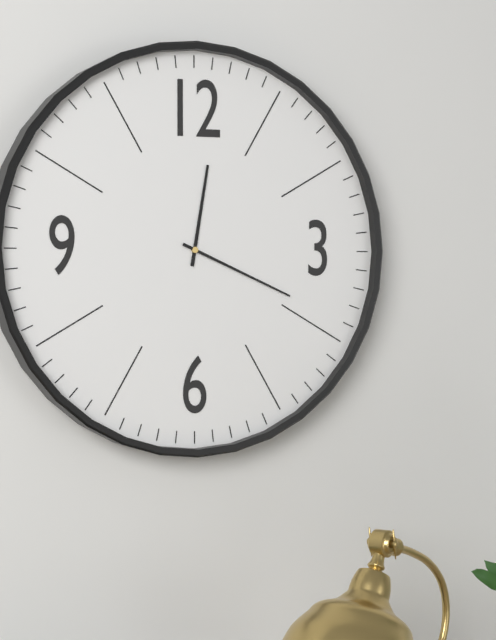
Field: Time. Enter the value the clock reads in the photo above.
12:19
